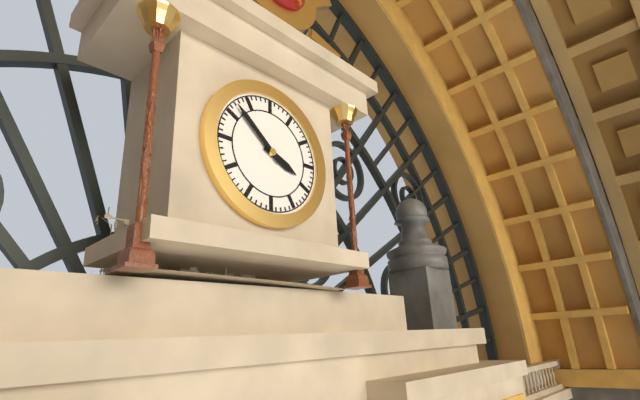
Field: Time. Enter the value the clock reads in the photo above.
3:52
